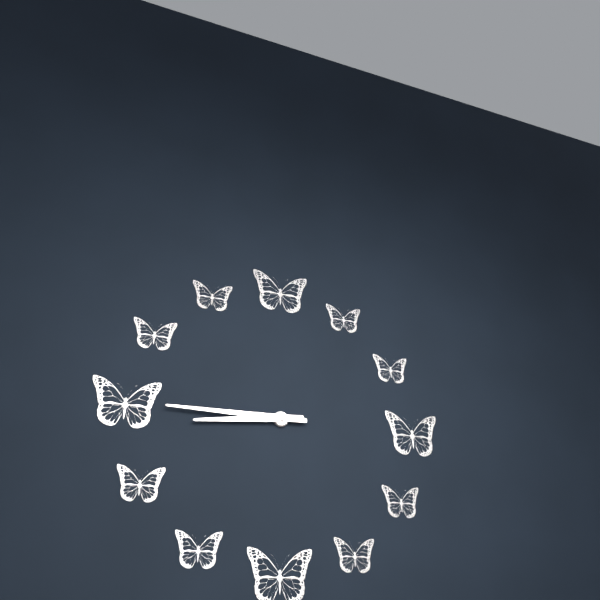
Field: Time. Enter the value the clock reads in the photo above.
8:45
